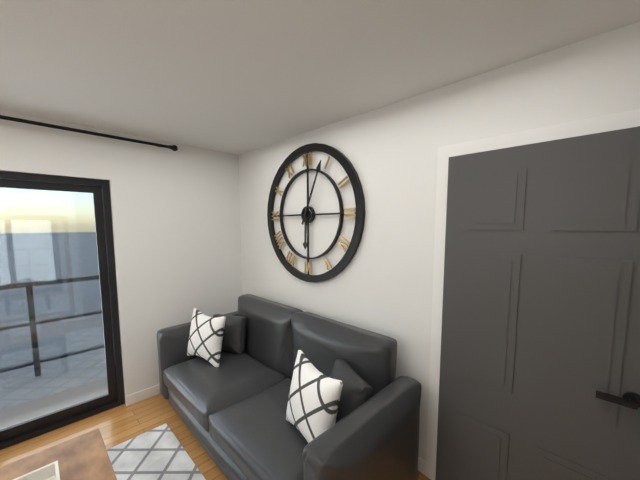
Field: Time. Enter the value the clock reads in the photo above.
6:04
